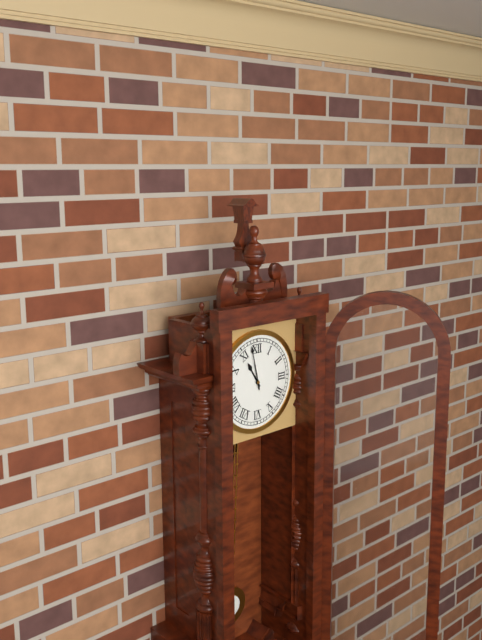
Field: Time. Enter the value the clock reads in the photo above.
10:58
